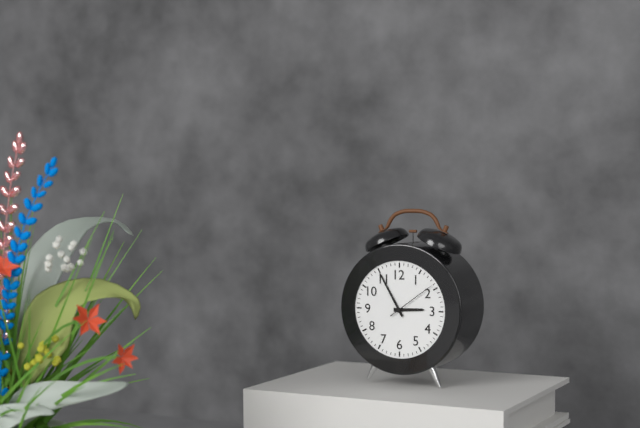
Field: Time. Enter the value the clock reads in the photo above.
2:55:09
